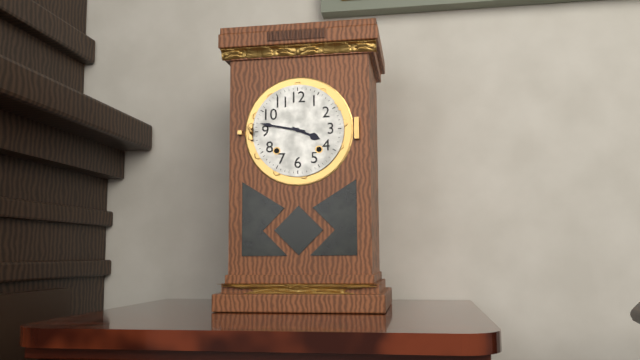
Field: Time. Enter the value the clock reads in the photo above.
3:47
